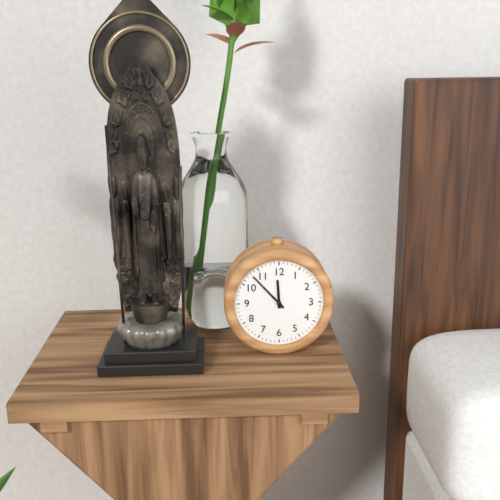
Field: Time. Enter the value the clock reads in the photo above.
11:53
